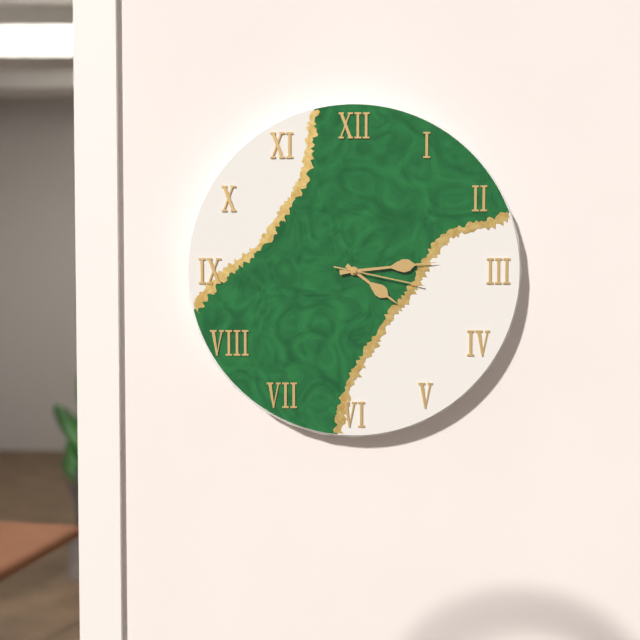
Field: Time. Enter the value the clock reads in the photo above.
4:14:17
